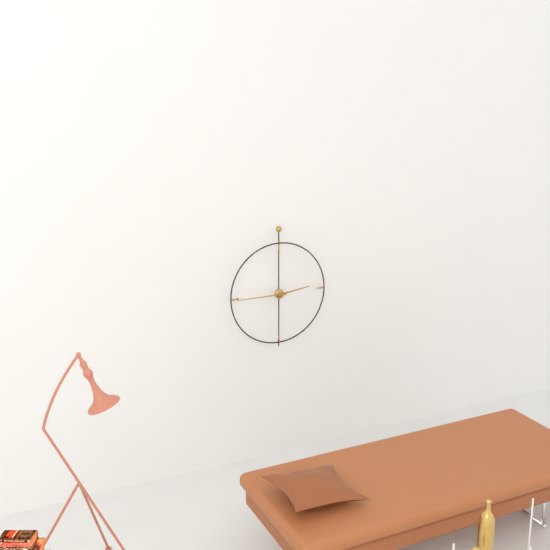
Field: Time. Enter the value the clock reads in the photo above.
2:45
